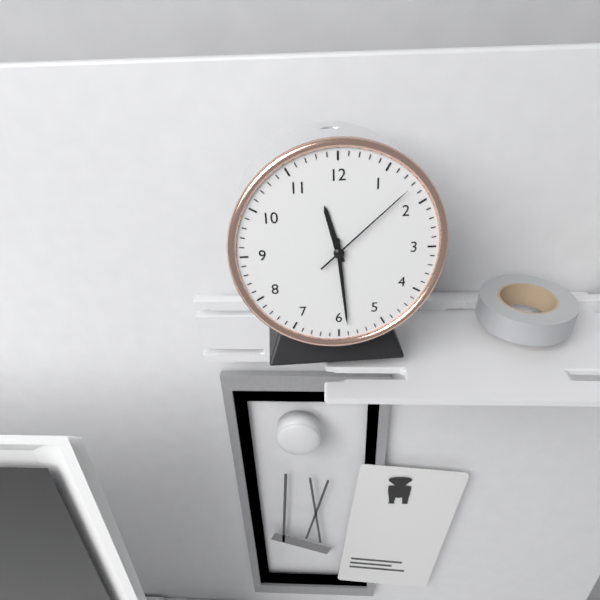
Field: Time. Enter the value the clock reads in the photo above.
11:29:08
